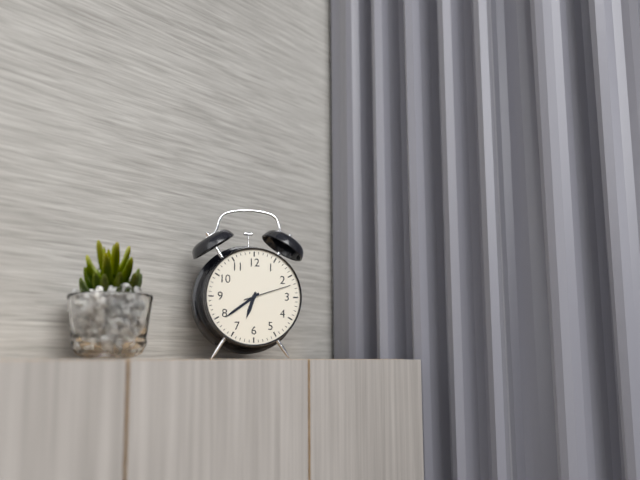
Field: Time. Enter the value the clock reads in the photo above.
6:39:12
